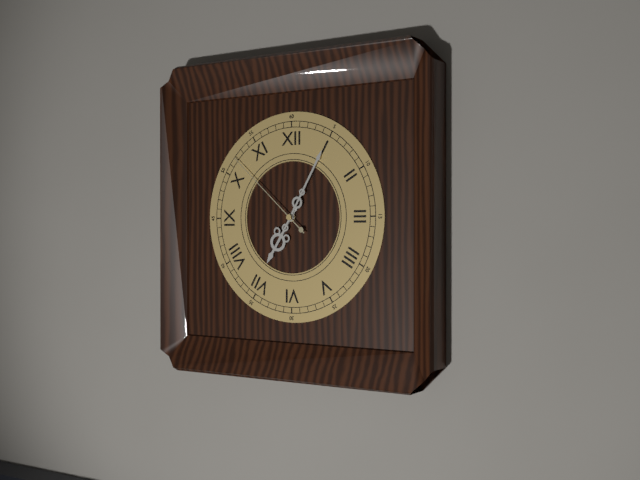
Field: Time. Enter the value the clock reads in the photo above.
7:05:52
